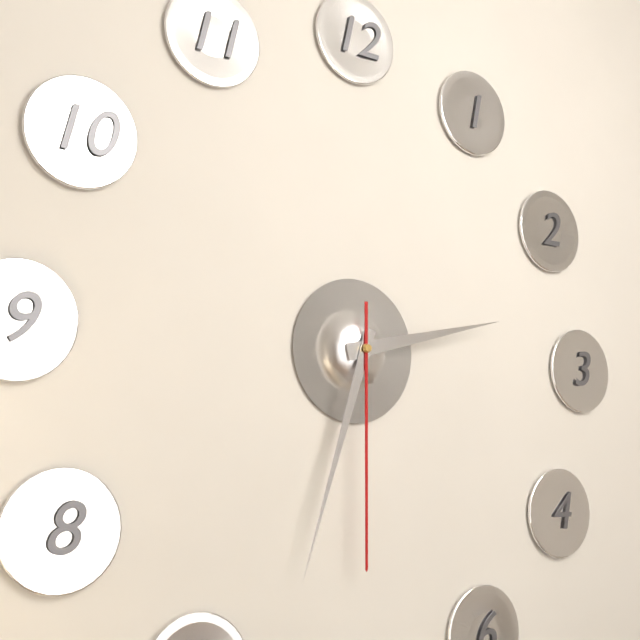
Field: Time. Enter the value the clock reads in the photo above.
2:33:30
